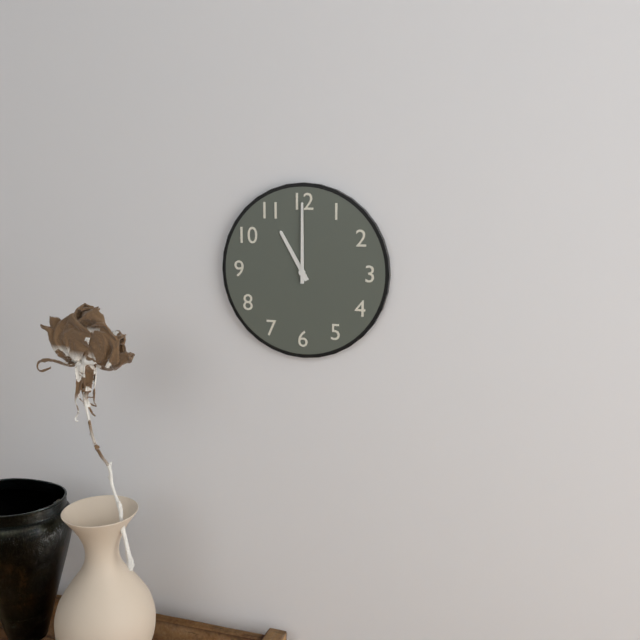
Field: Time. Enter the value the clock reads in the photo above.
11:00
